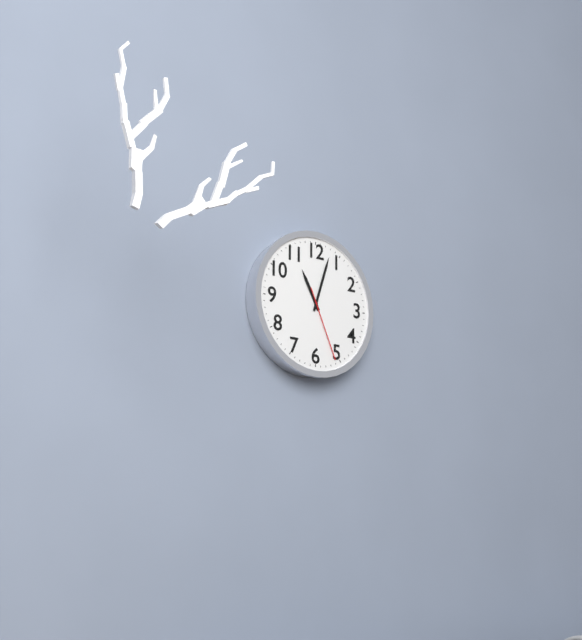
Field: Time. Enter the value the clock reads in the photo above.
11:03:26
